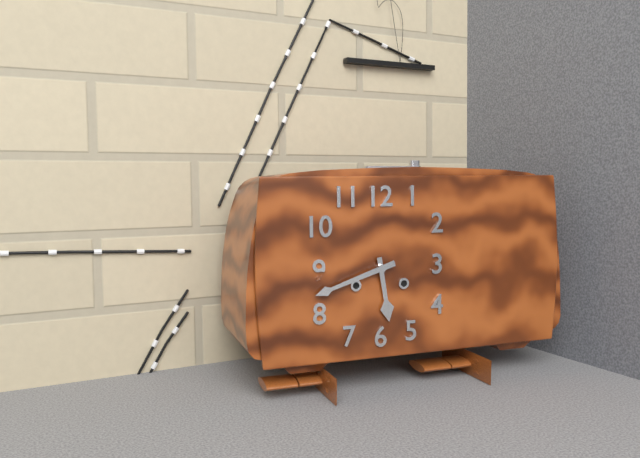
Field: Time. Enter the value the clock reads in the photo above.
5:42
